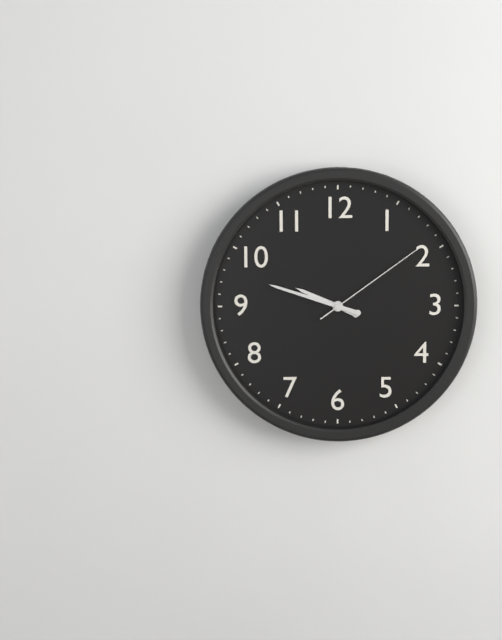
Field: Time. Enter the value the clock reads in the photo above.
9:48:09
